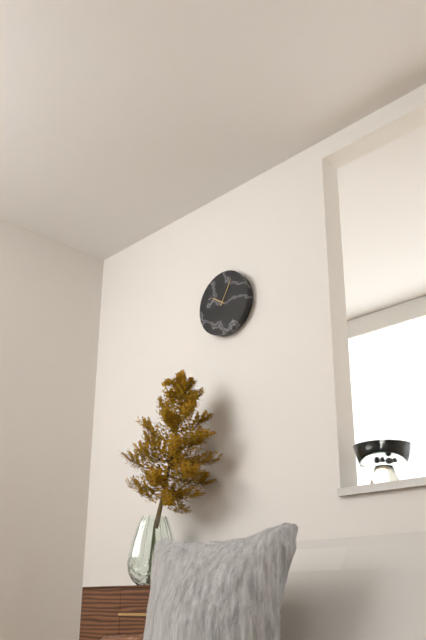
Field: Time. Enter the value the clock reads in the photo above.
10:05
